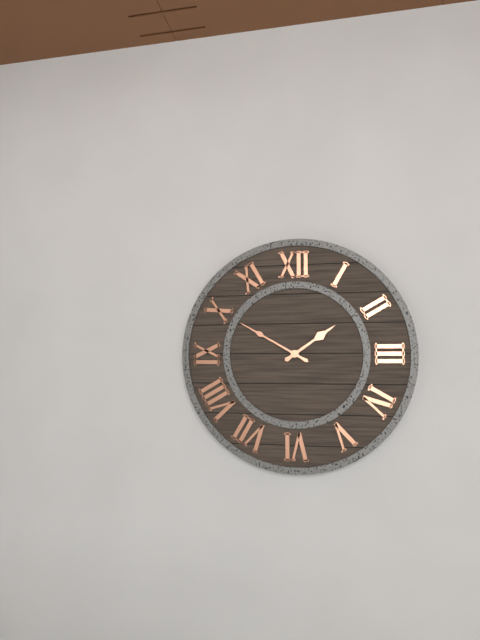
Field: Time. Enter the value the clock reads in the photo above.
1:50
